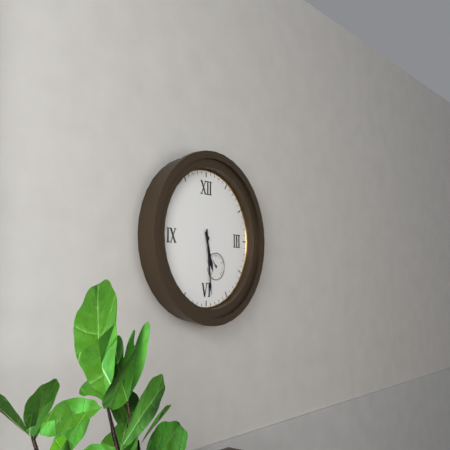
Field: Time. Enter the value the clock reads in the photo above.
5:29
